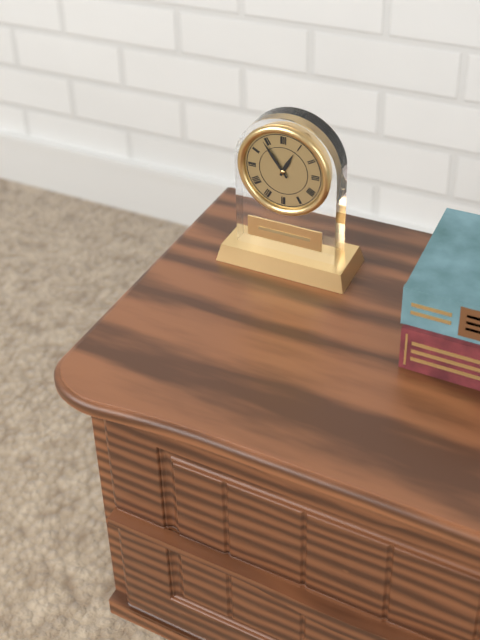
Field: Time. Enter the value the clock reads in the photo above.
12:54
